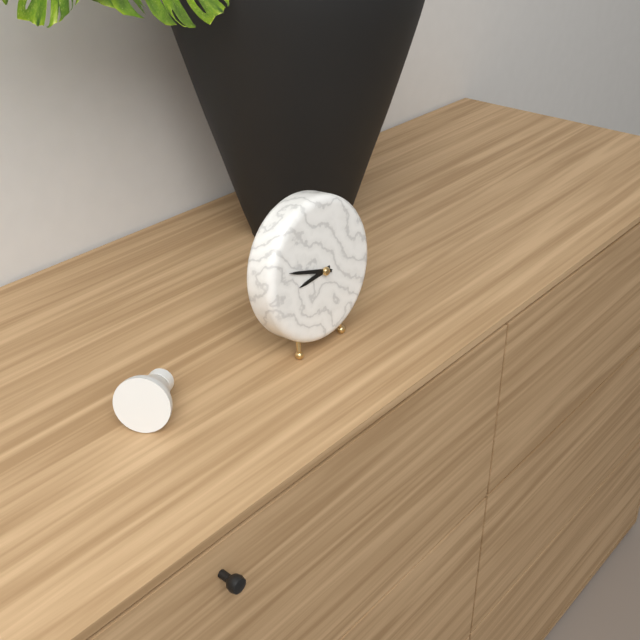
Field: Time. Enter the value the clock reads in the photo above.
8:48
